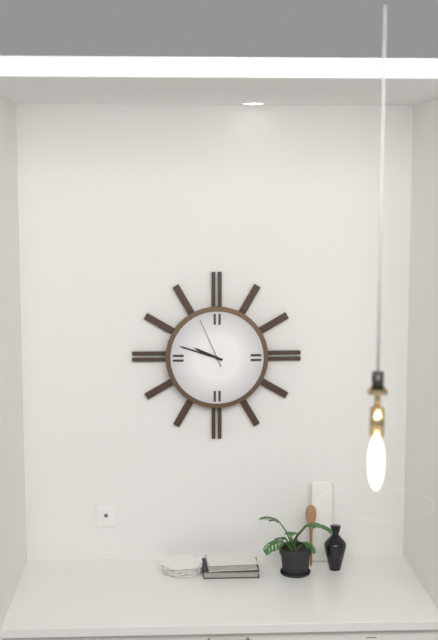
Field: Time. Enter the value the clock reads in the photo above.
9:48:56
